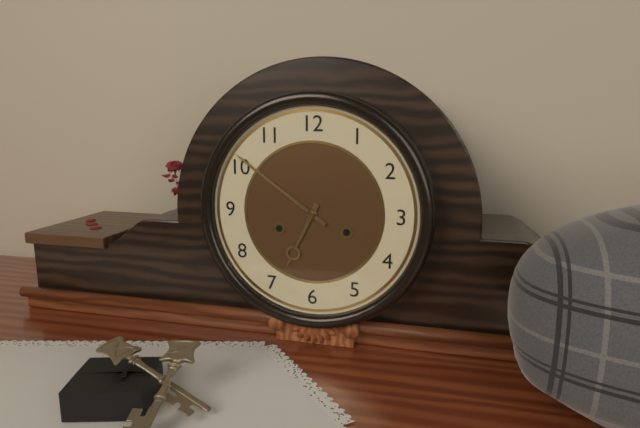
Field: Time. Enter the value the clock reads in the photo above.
6:51
